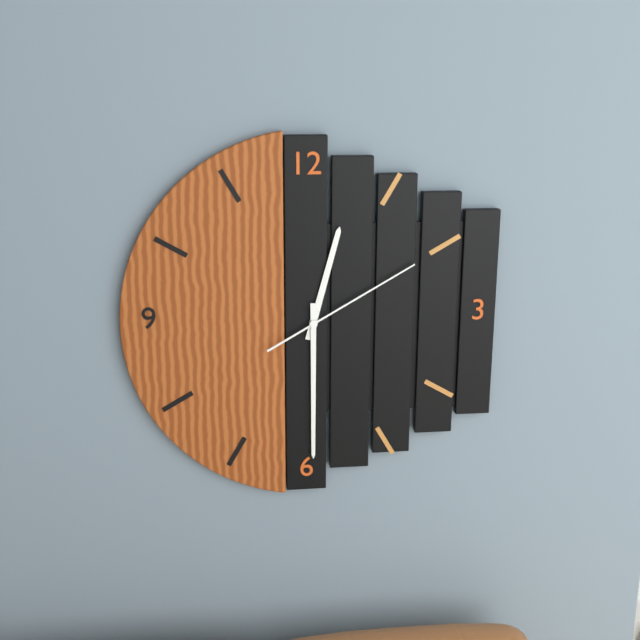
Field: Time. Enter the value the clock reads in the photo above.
12:30:10
